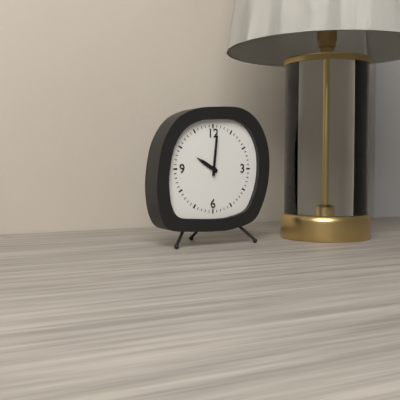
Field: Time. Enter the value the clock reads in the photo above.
10:01
